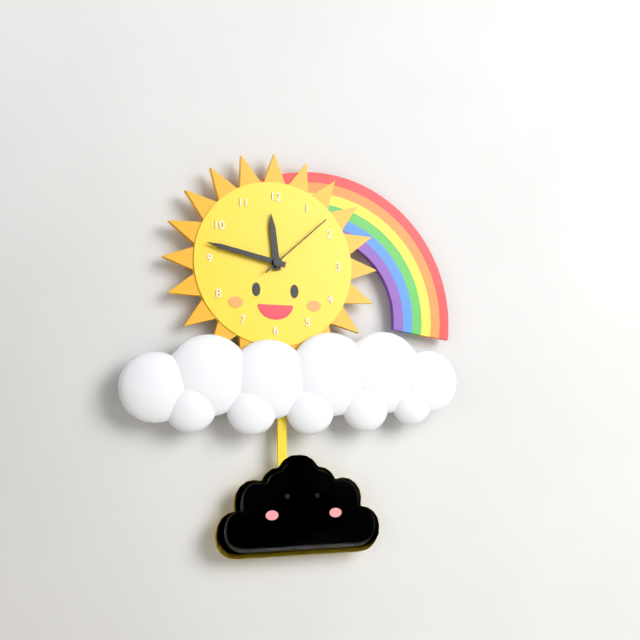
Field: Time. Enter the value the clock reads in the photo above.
11:47:08
